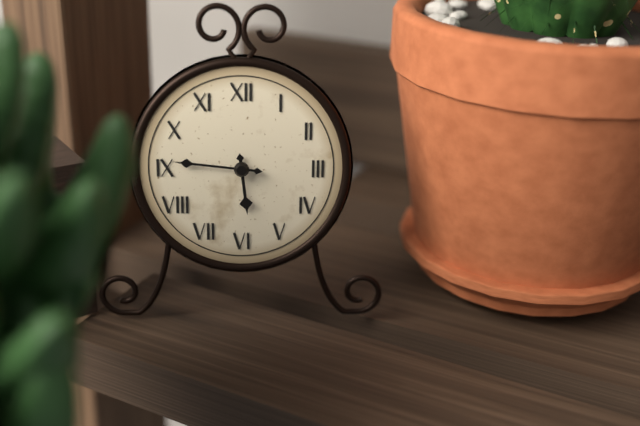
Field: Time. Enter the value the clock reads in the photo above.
5:46
